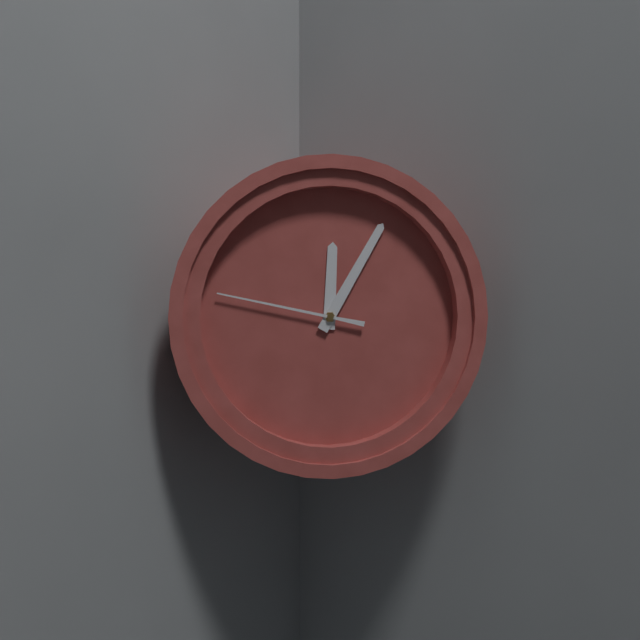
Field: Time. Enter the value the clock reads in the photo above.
12:05:47
